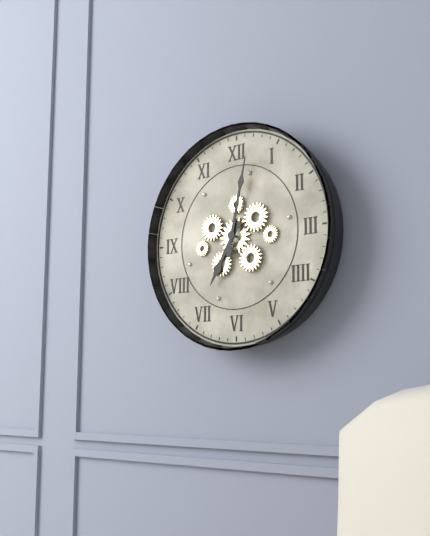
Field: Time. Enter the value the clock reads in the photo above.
7:02
